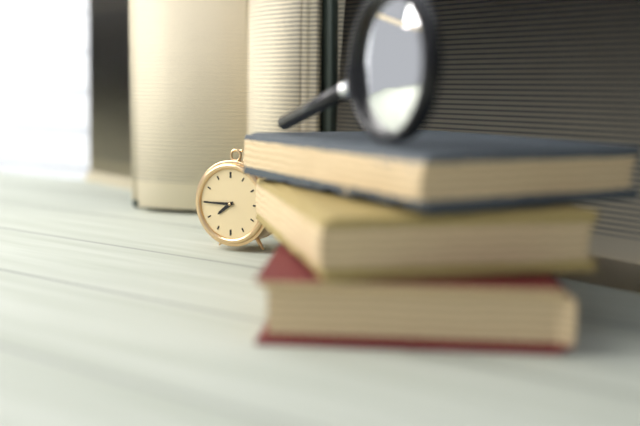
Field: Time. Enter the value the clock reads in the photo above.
7:45
